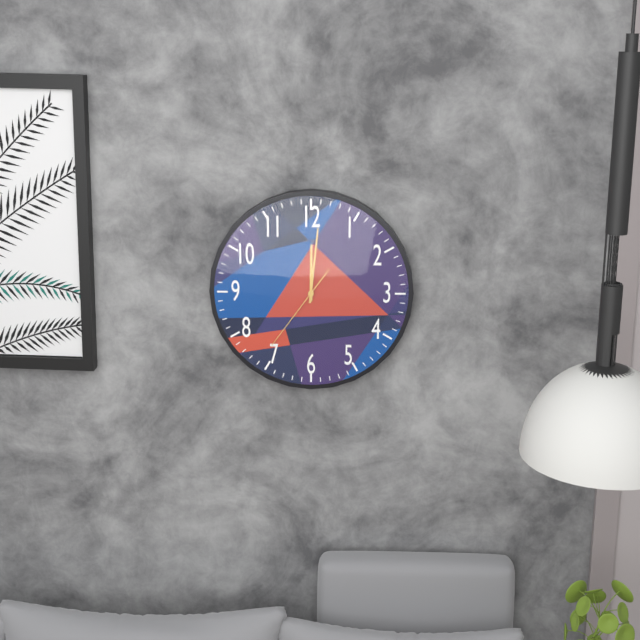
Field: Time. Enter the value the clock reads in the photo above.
12:01:36
